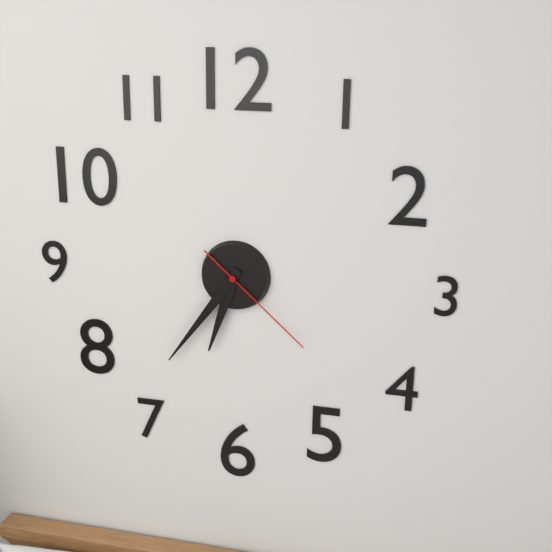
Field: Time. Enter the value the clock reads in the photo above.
6:36:22
